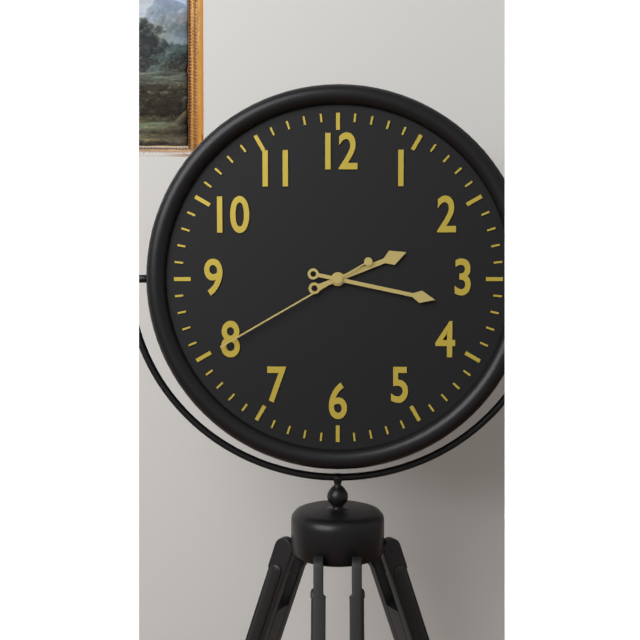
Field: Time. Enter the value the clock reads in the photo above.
2:17:40
